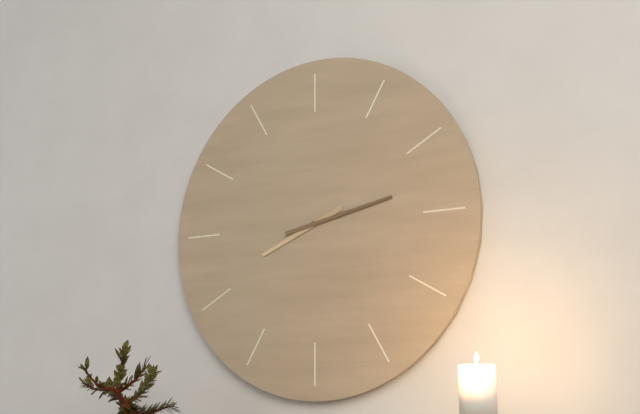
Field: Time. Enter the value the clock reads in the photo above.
8:13
